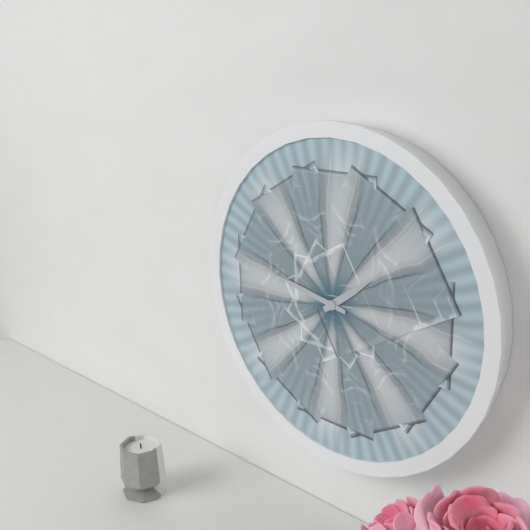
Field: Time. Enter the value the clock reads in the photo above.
1:47
